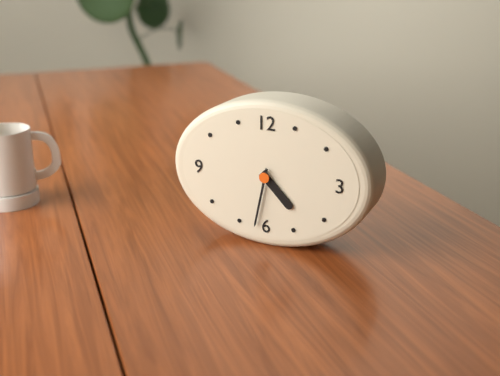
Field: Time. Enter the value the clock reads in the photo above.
4:32
